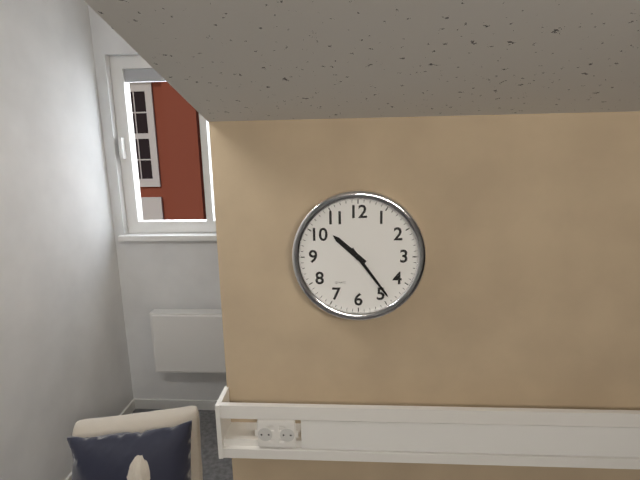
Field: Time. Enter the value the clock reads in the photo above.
10:24
